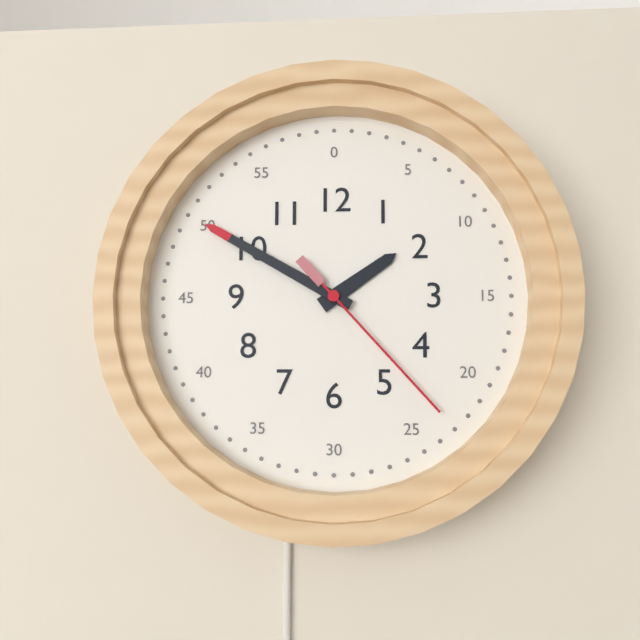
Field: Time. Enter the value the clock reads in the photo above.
1:50:23
